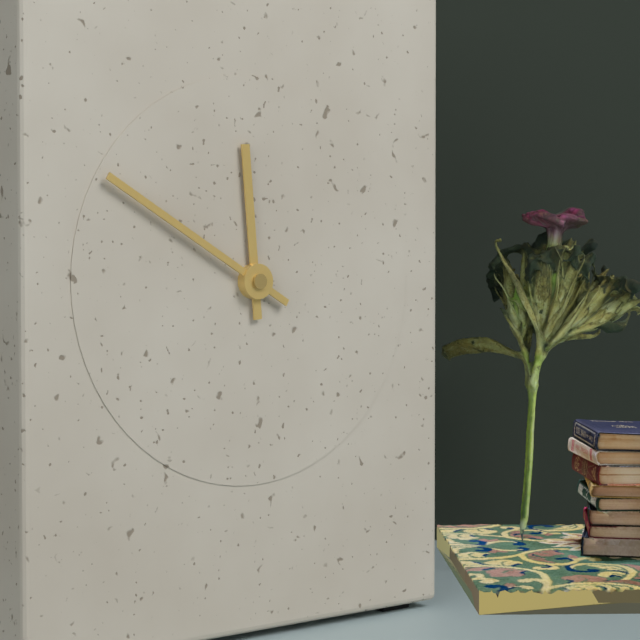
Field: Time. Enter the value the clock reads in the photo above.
11:50
